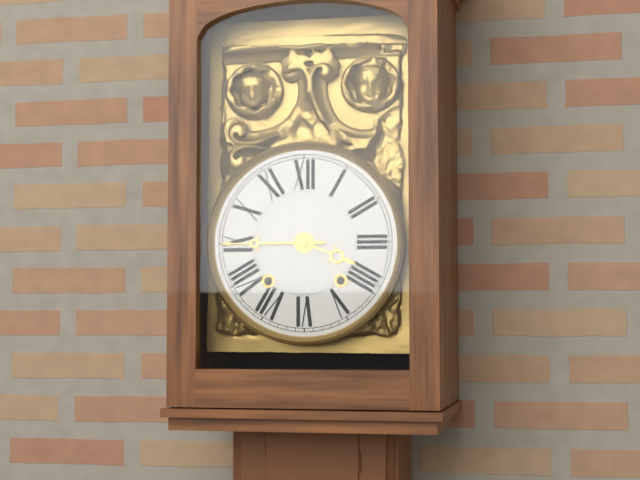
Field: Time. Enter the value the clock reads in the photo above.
3:45
